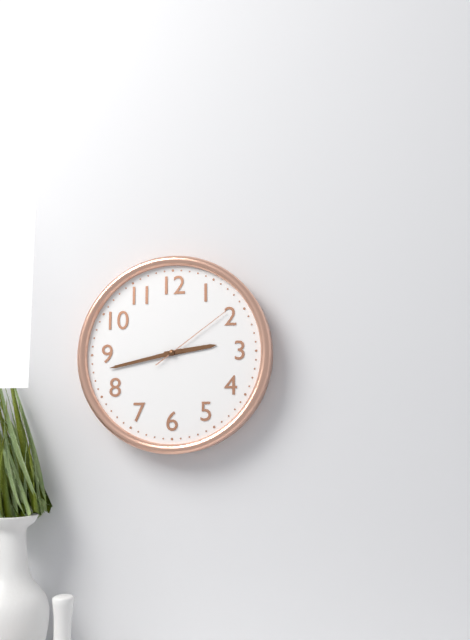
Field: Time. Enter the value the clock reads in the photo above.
2:43:09
